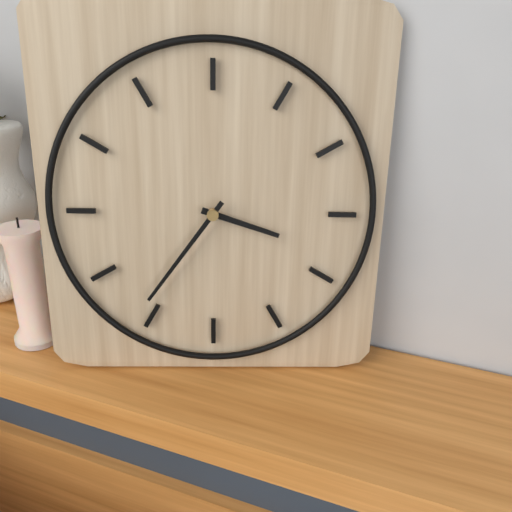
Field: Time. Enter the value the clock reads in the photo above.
3:36
